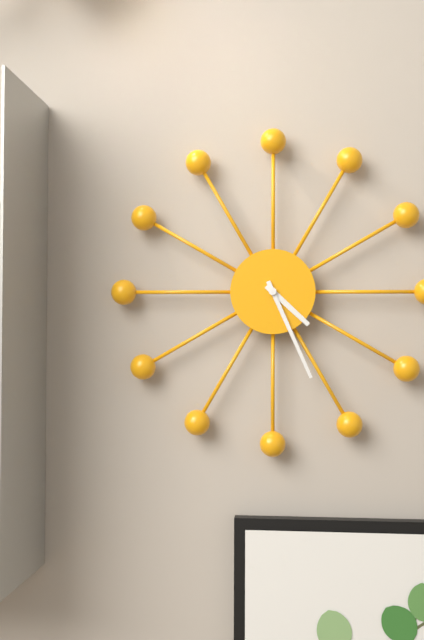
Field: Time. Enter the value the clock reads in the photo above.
4:26
